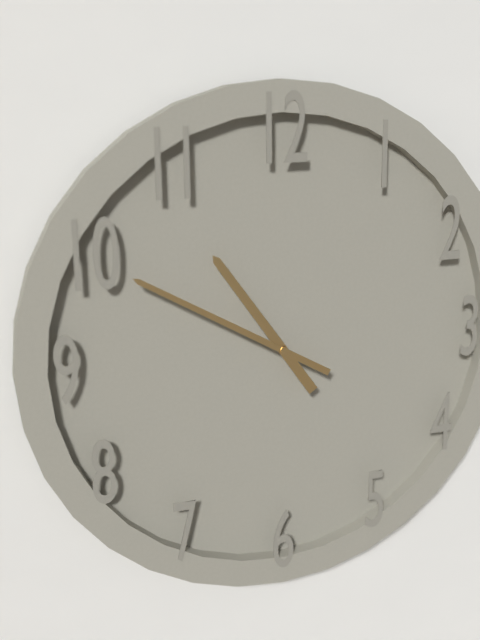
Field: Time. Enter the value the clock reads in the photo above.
10:50
